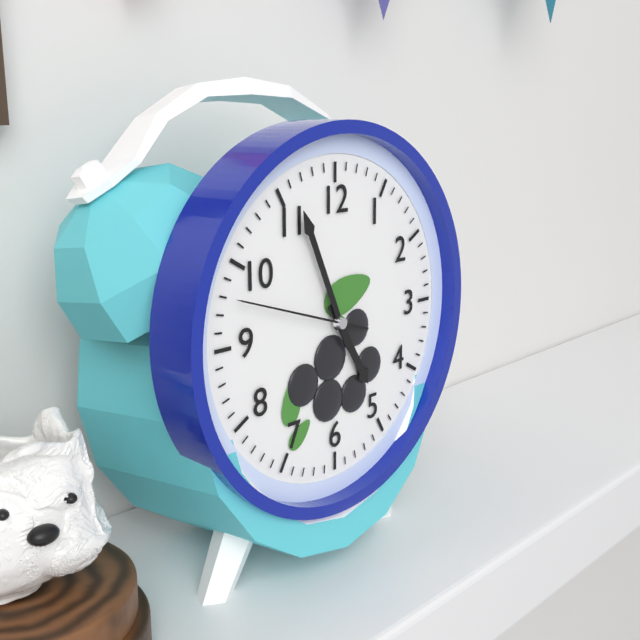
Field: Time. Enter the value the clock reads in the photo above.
4:56:48
